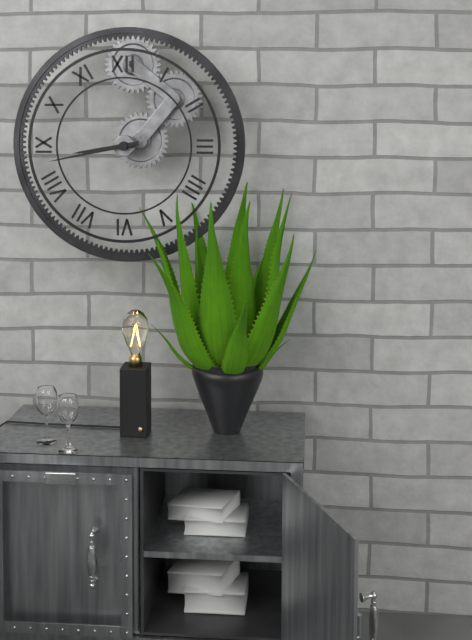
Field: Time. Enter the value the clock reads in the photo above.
8:43
